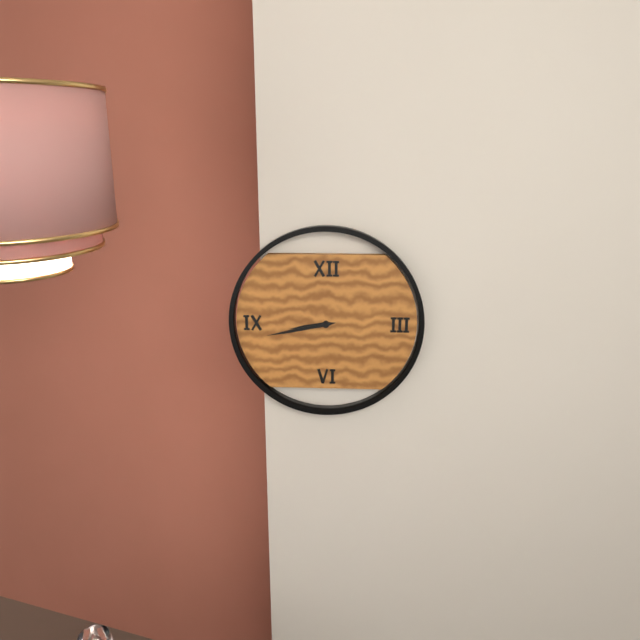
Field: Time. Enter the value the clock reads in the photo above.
8:43
